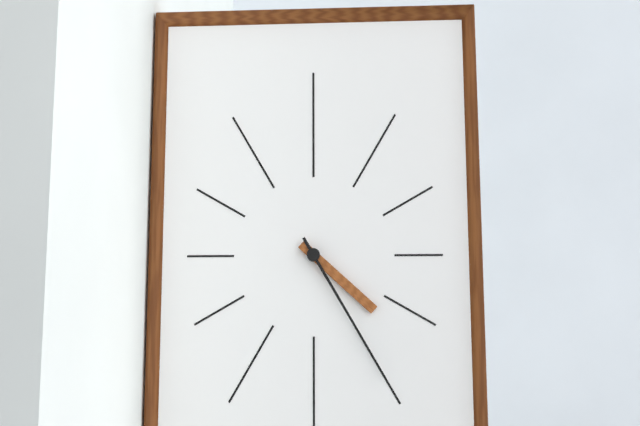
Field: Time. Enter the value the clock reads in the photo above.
4:25
